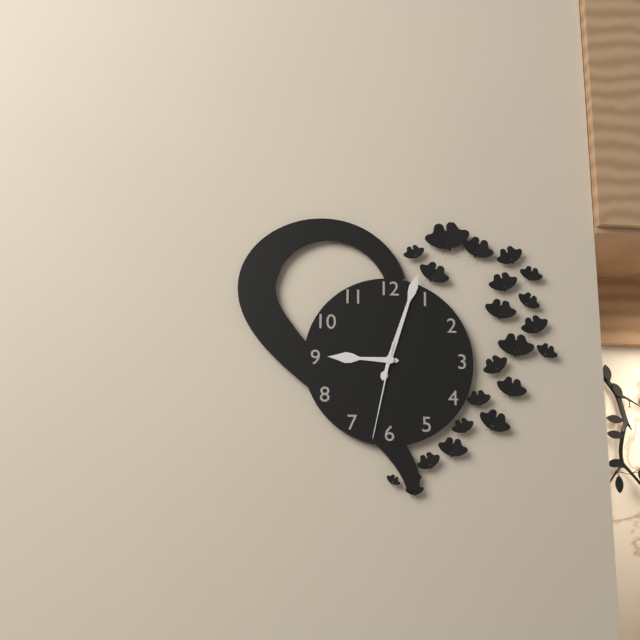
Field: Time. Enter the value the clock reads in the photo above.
9:03:32
